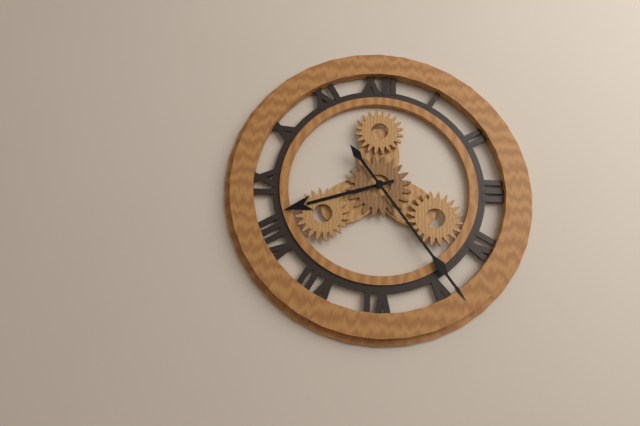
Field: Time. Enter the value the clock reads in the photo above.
8:24
